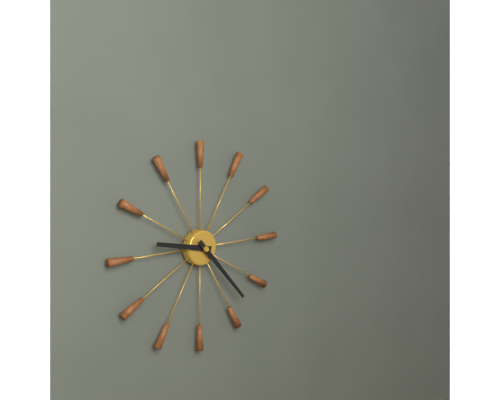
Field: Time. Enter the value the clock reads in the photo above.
9:23
